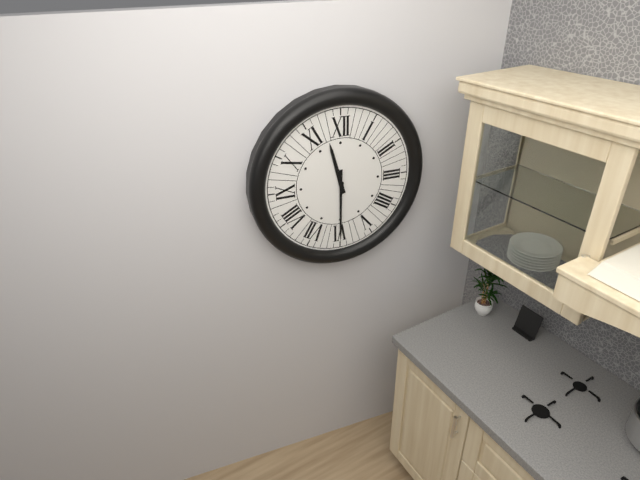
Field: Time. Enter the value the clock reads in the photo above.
11:30
